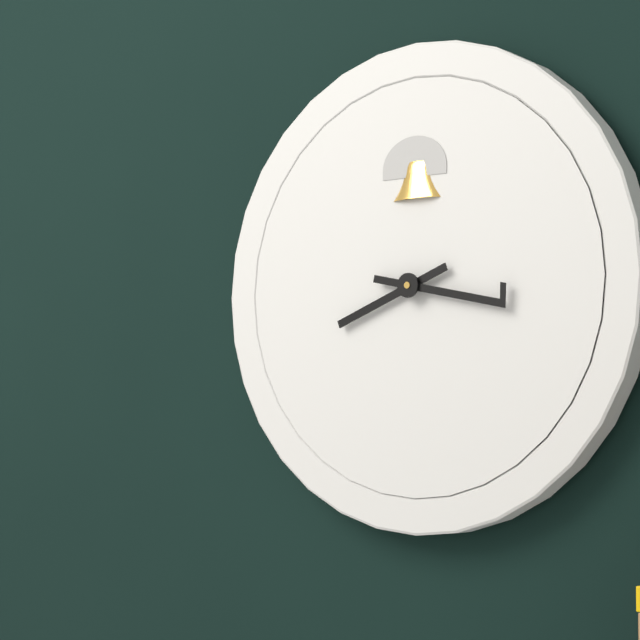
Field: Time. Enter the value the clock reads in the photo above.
8:17
